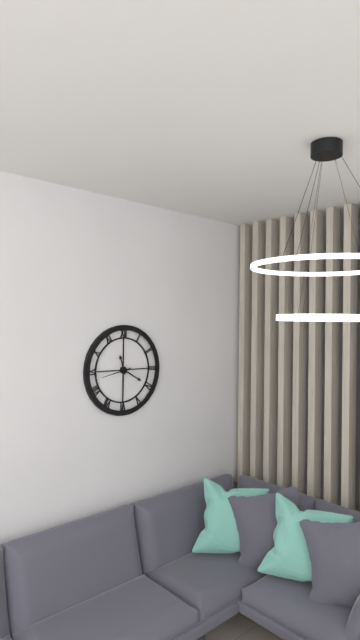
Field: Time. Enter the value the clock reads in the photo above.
11:20
